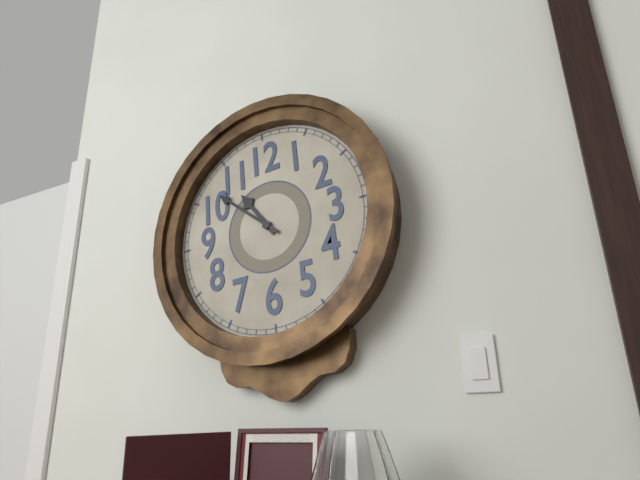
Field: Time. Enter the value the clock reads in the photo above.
10:52
